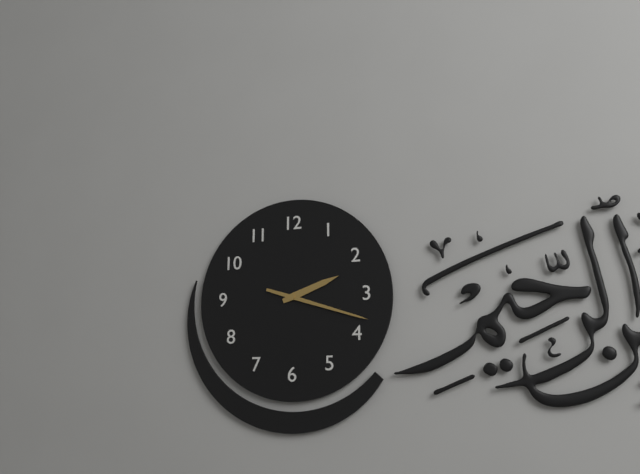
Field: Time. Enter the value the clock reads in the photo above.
2:18
